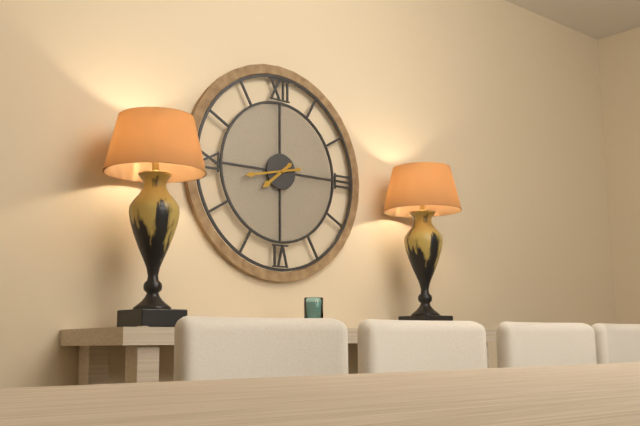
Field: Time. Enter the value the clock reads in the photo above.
7:43
